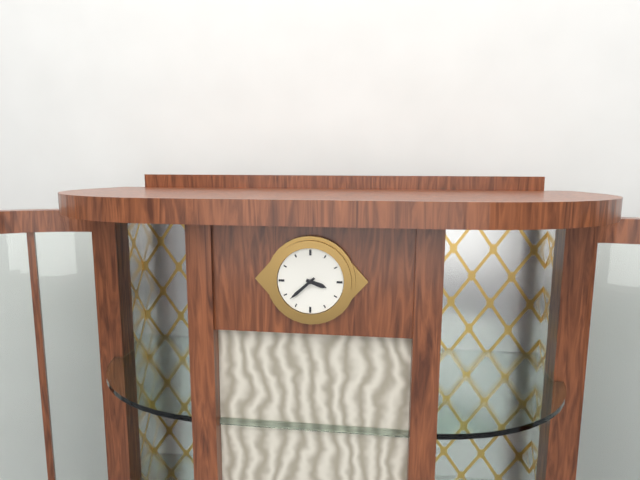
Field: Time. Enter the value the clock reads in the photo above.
3:38
